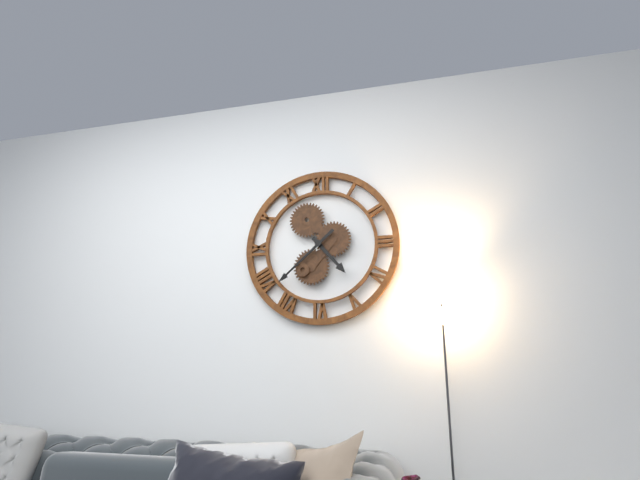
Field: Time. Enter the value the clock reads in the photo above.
4:38
